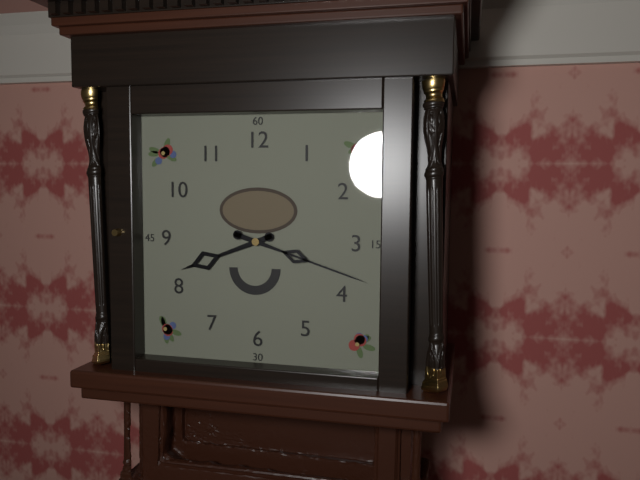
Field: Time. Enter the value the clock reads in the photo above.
8:18
